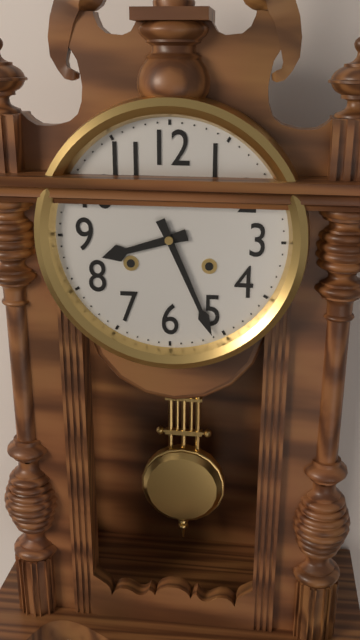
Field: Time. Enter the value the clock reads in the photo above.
8:26
